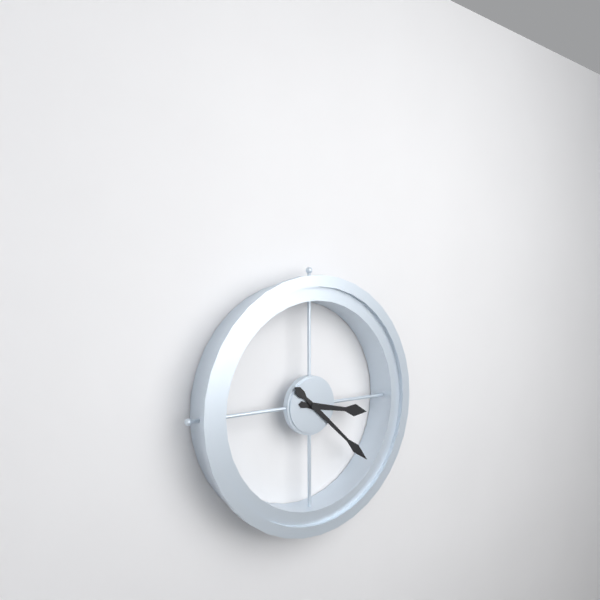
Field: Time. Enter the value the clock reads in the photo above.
3:22
